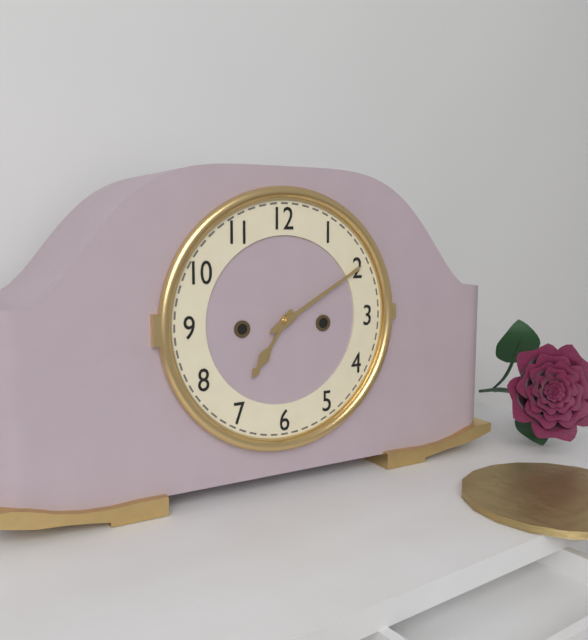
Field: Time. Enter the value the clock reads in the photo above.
7:10
